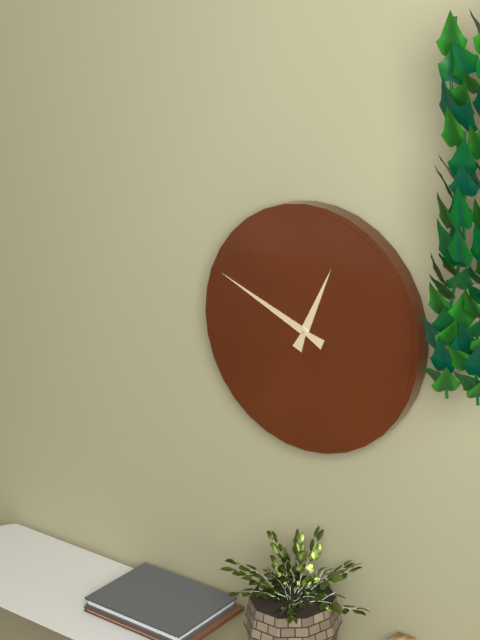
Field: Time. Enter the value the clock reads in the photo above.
12:49
